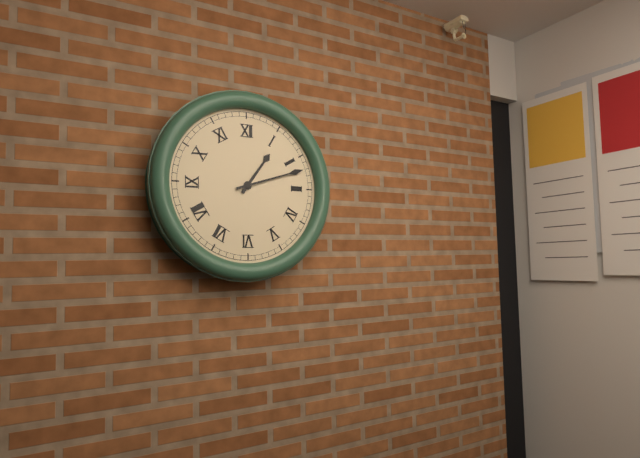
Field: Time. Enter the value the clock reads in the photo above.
1:12
